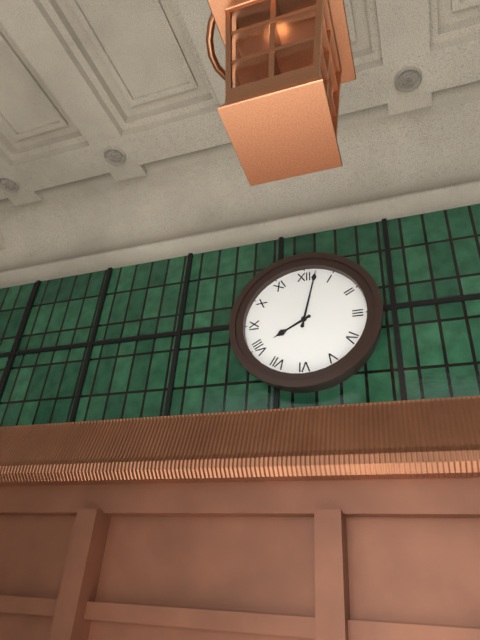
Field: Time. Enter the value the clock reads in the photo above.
8:02
